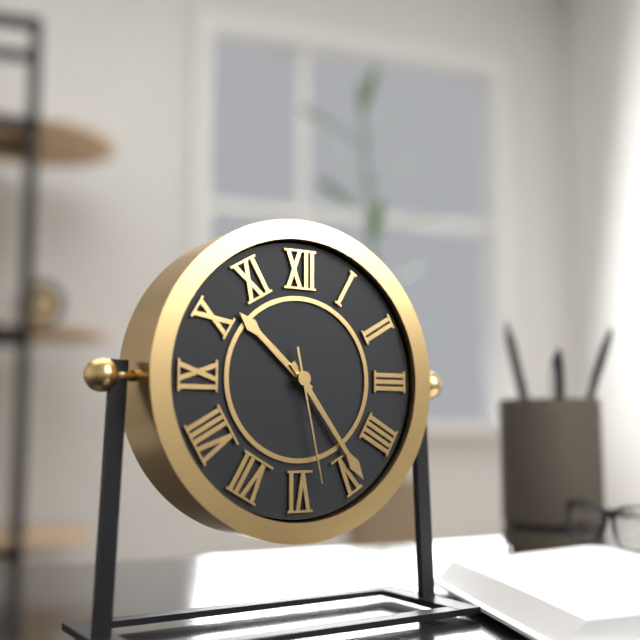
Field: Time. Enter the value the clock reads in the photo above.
10:24:28
